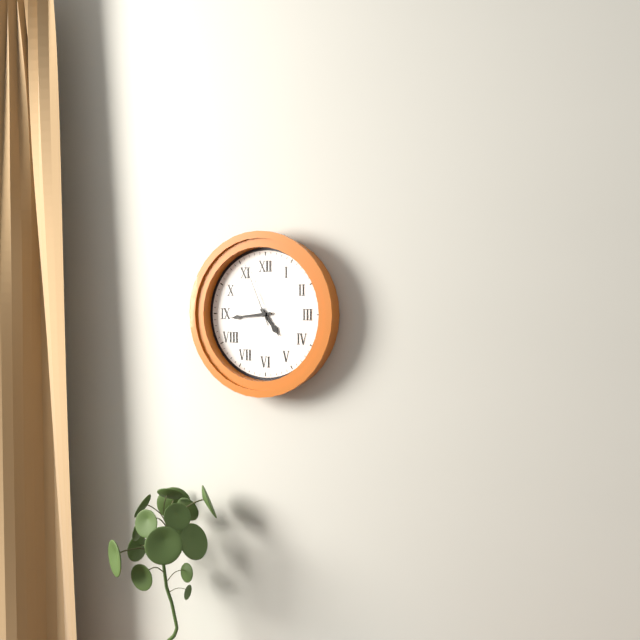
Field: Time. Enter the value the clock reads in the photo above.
4:44:56
